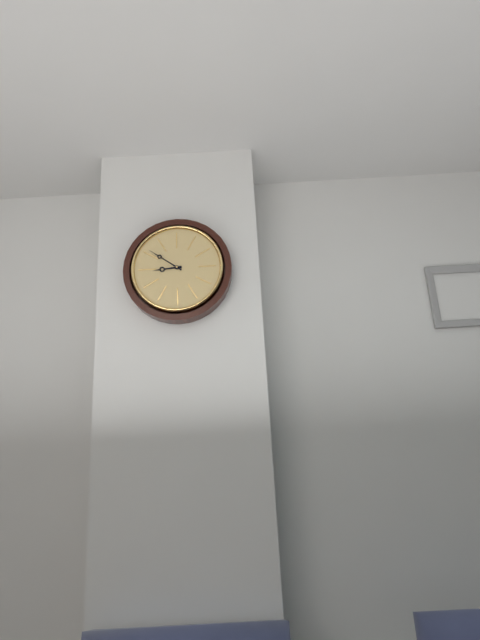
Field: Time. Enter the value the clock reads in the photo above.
8:51
